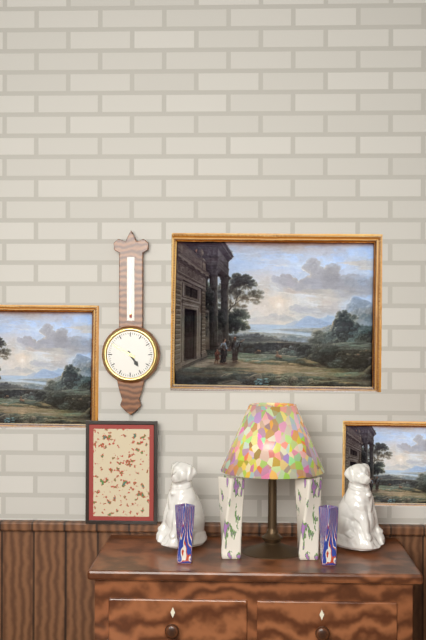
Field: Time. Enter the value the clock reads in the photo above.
4:50
